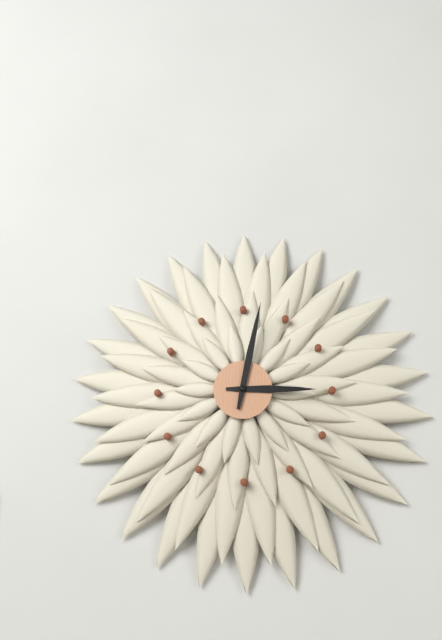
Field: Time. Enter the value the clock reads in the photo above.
3:02
